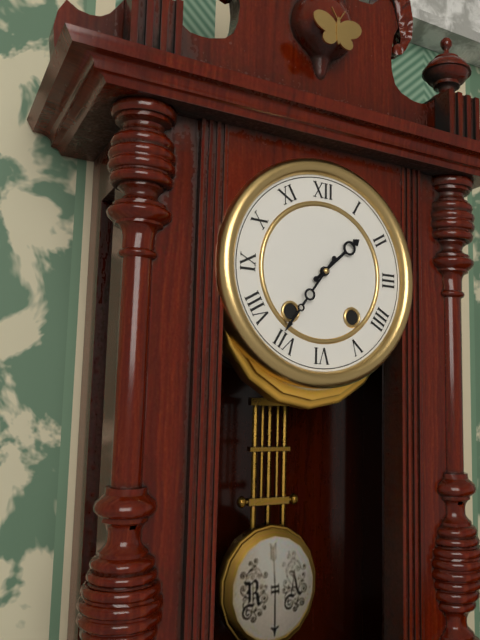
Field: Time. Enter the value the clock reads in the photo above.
1:36
